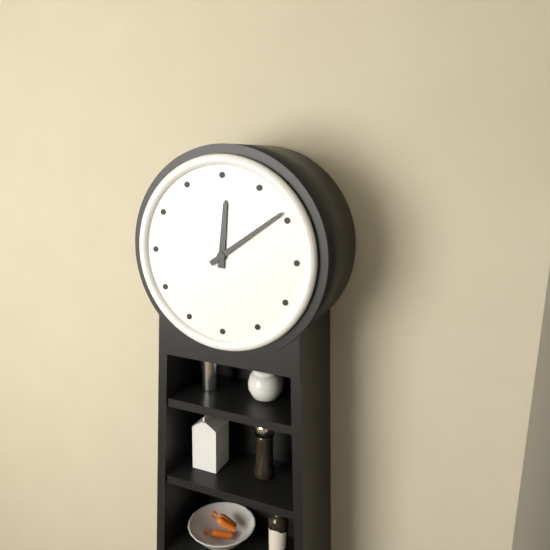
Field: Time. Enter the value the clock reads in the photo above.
12:09
